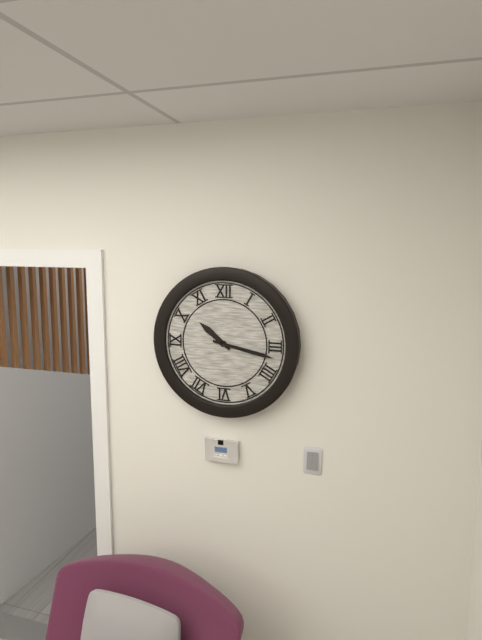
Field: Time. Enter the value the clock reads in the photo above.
10:17
